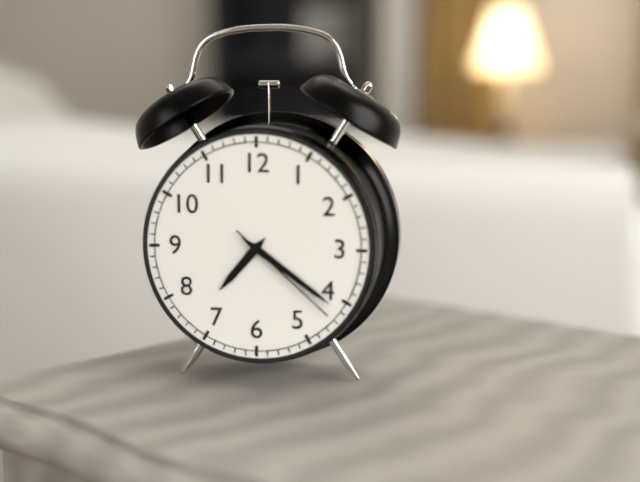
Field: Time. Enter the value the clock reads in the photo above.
7:21:22
